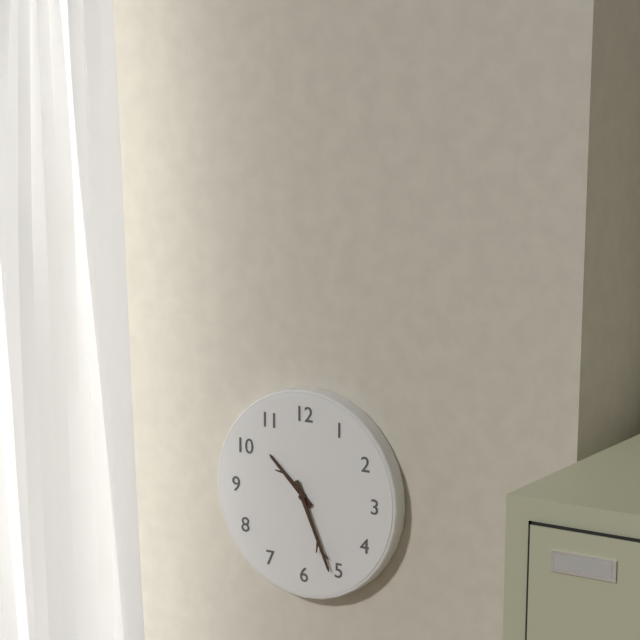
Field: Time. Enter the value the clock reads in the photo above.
10:26
